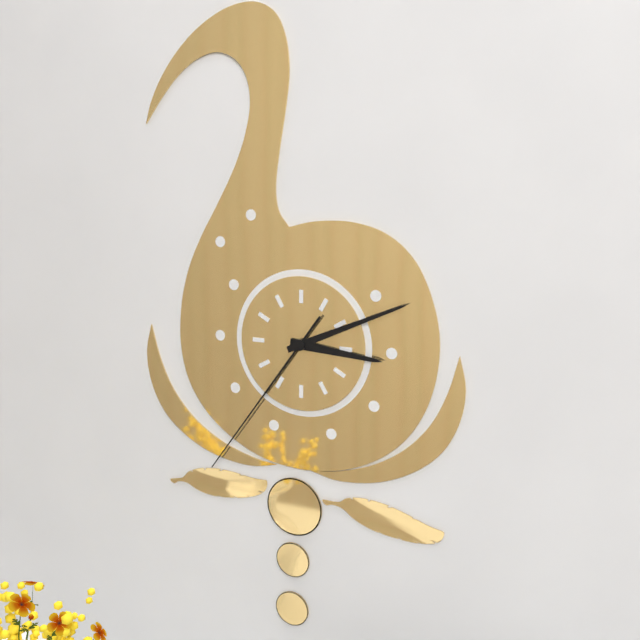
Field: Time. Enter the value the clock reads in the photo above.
3:11:36
